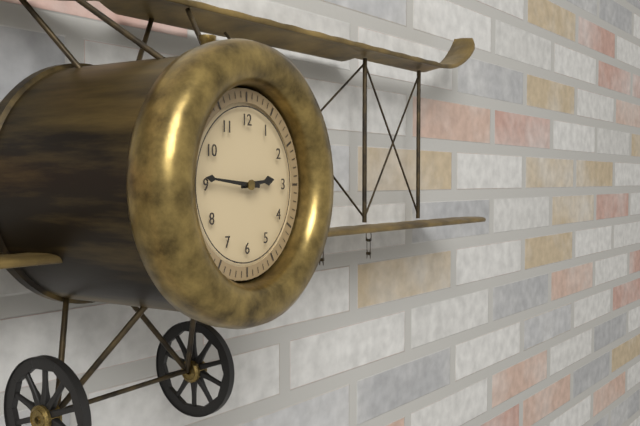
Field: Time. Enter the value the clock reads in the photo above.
2:46
